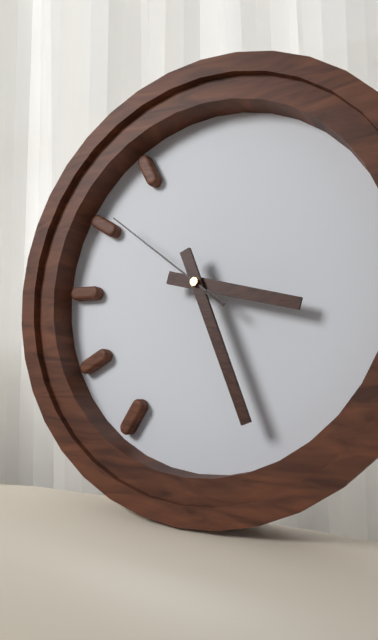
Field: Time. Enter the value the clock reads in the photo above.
3:26:51
